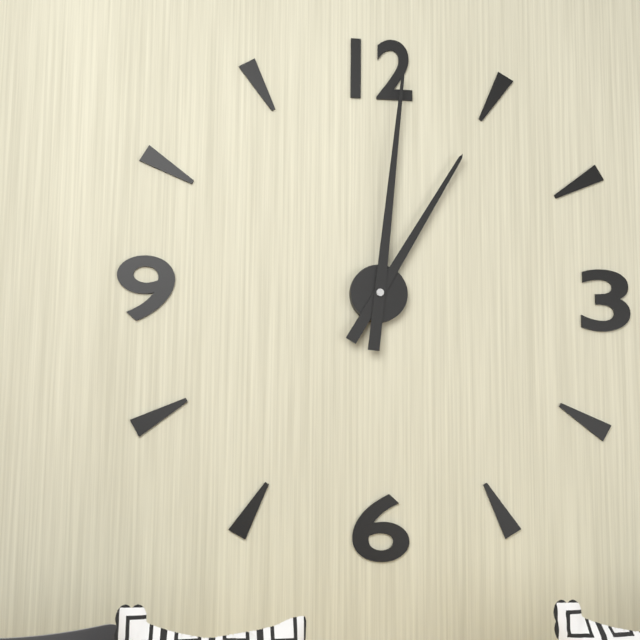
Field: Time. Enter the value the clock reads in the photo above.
1:01
